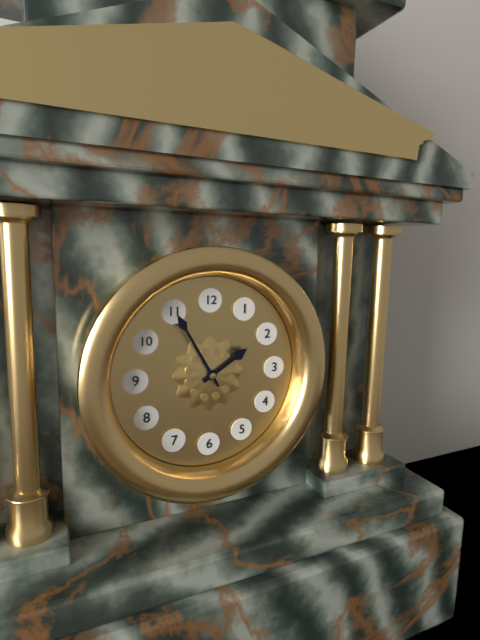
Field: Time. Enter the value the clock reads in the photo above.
1:55
